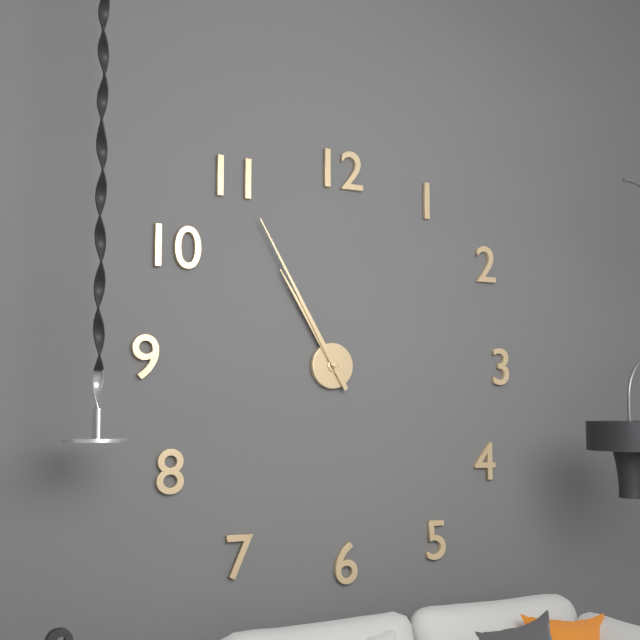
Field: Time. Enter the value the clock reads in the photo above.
10:55
